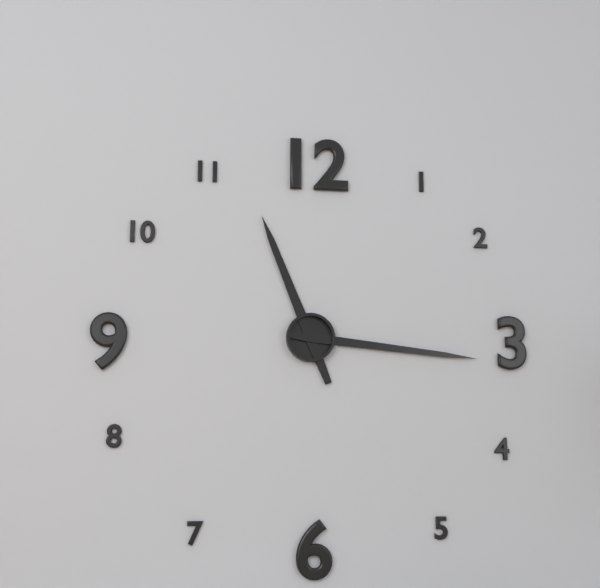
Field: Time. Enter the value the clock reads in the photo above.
11:16
